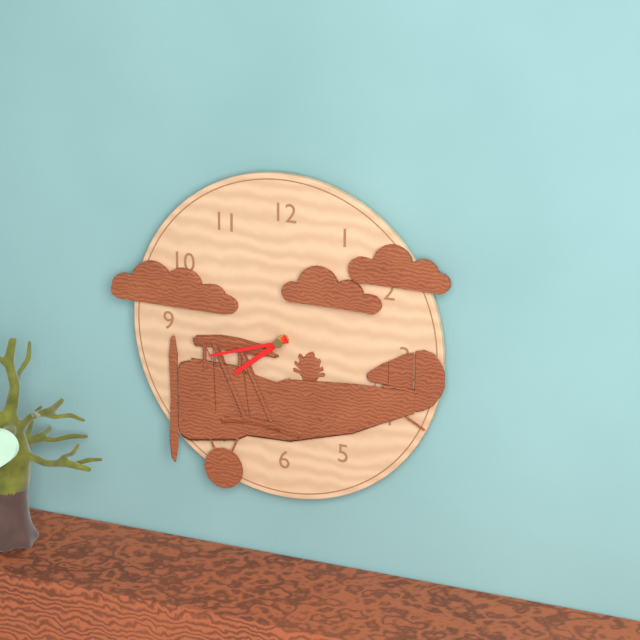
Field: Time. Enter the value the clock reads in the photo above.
7:42
